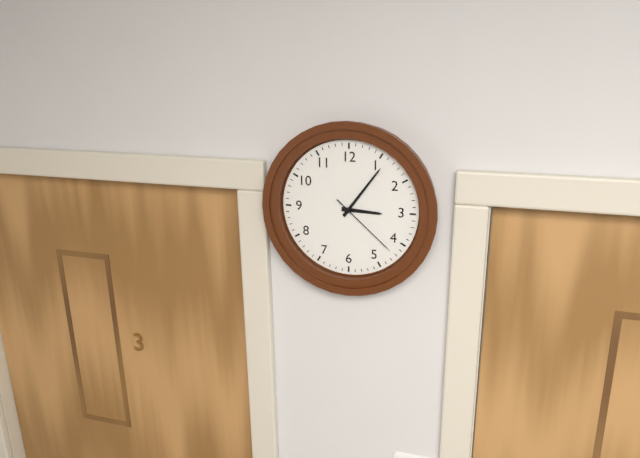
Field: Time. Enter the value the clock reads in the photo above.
3:06:22
